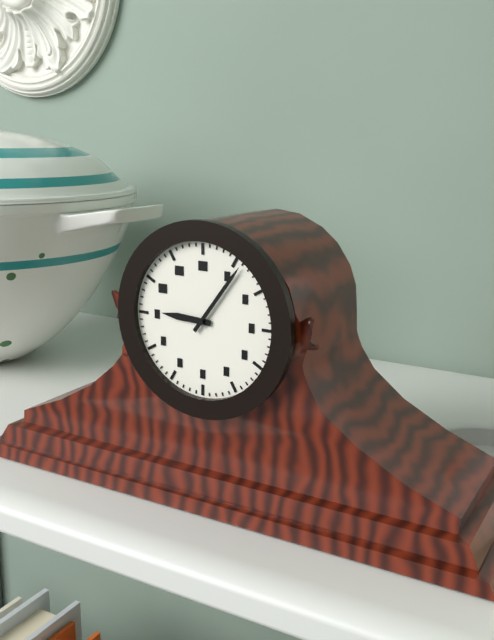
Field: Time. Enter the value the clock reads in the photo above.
9:06
